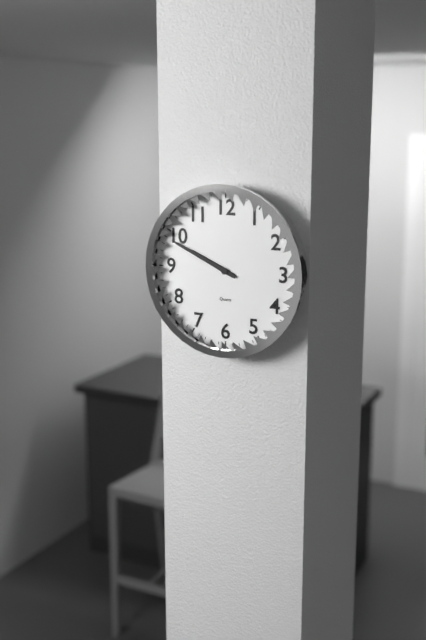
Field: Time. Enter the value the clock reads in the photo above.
9:49
